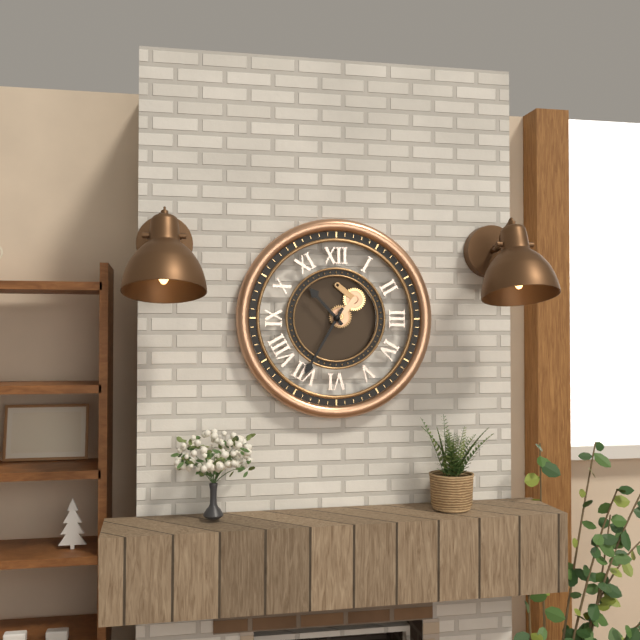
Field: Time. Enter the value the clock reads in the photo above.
10:35
